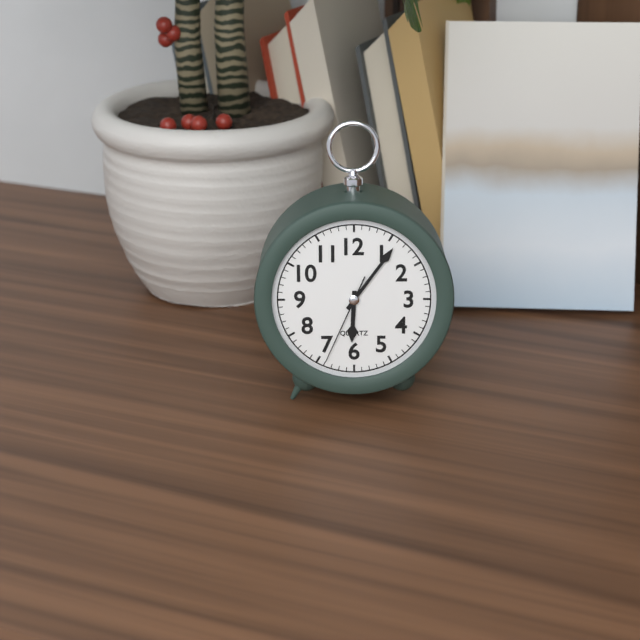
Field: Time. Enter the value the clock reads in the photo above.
6:06:34
